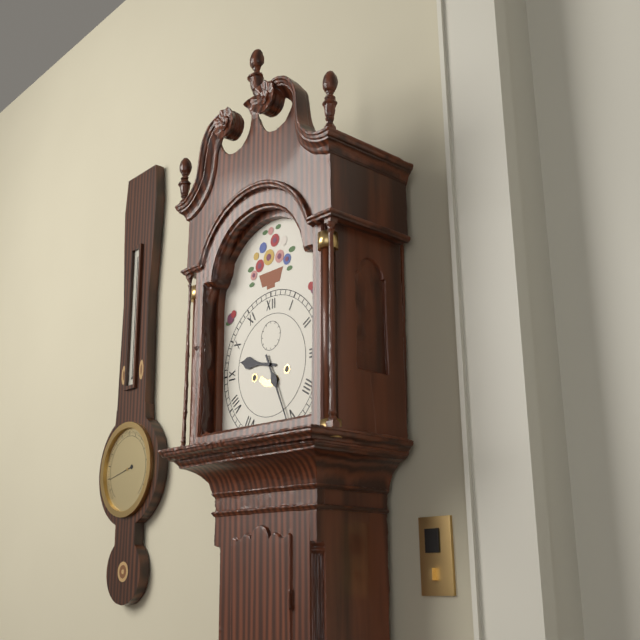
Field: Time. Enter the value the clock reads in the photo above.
9:26
